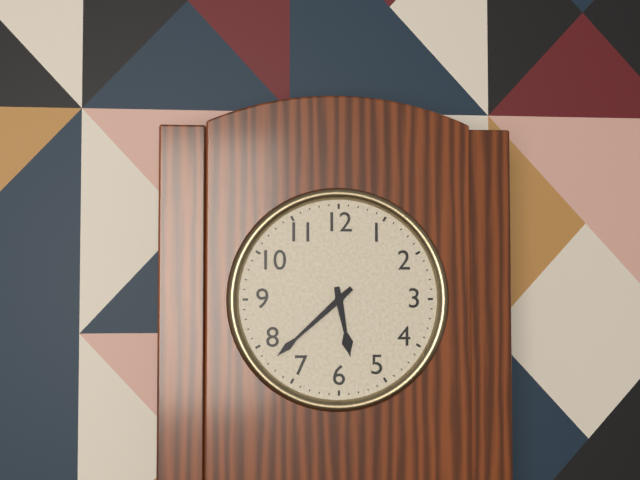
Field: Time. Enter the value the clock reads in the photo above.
5:38
